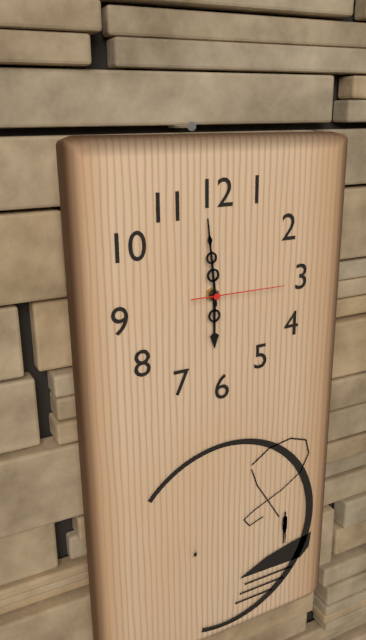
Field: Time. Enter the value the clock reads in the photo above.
5:59:15
